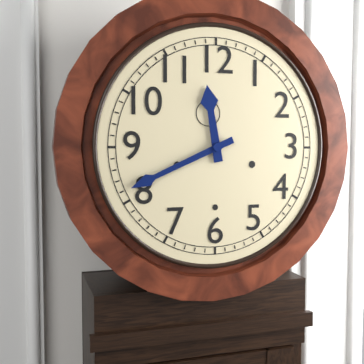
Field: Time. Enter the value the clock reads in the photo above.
11:41
